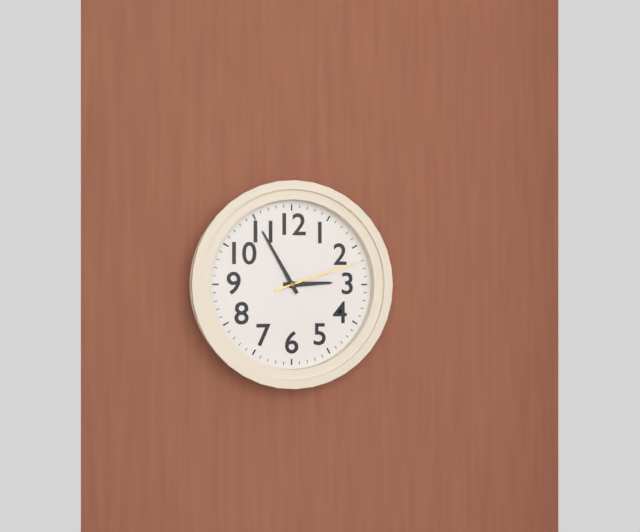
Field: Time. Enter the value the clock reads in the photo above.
2:55:12
